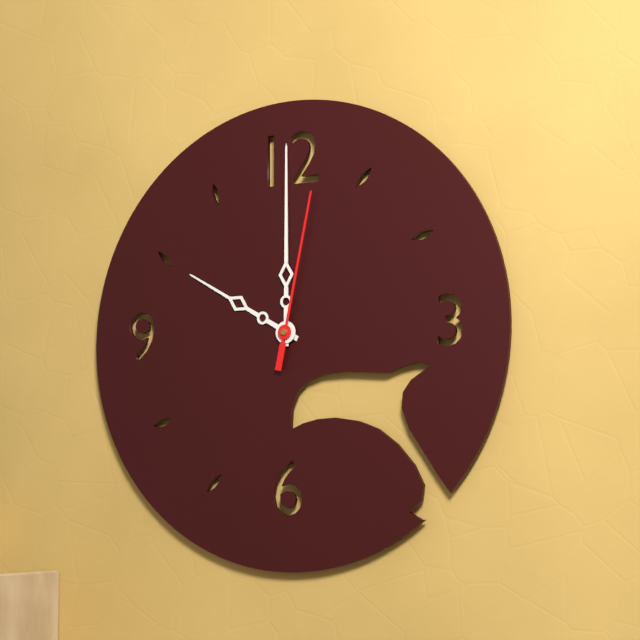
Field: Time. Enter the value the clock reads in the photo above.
10:00:02
